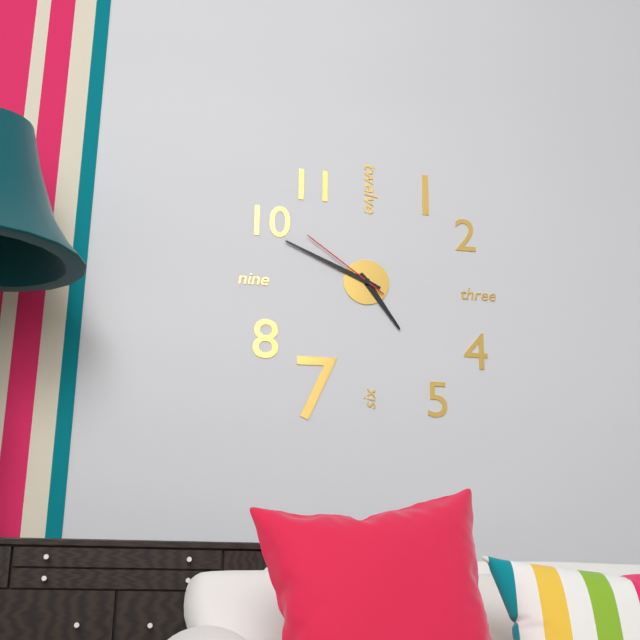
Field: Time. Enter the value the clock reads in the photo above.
4:49:51
